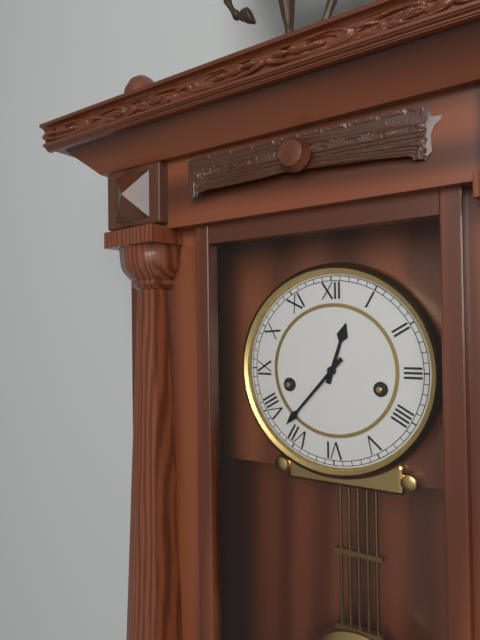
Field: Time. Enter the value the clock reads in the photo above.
12:37
